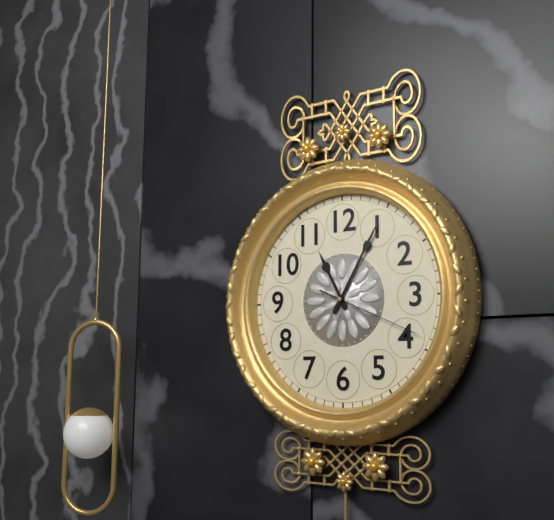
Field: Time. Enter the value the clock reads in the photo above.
11:05:19
